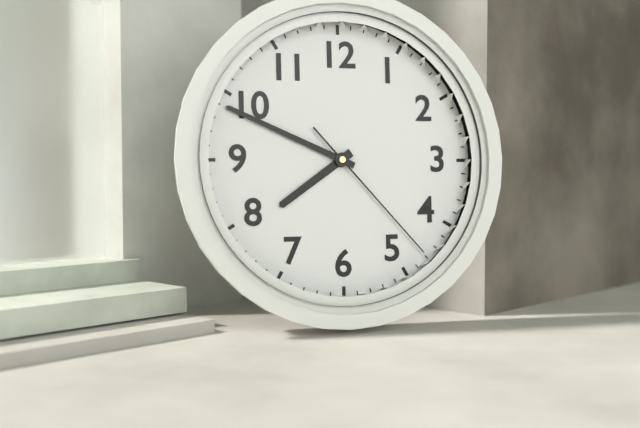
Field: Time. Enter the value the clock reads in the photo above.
7:49:23
